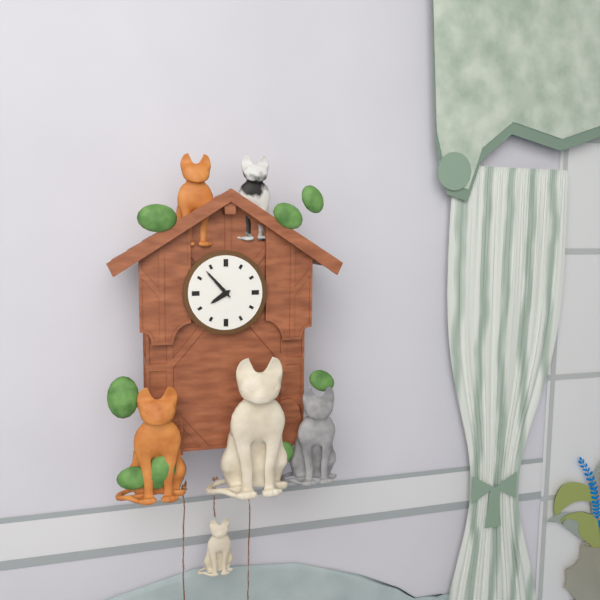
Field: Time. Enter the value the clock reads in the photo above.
7:53
